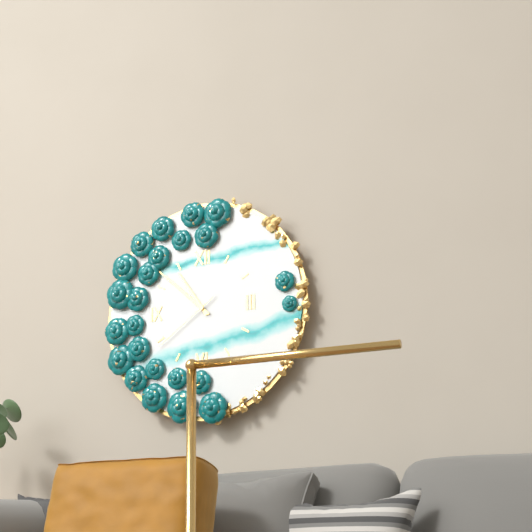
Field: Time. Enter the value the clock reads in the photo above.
10:52:39
